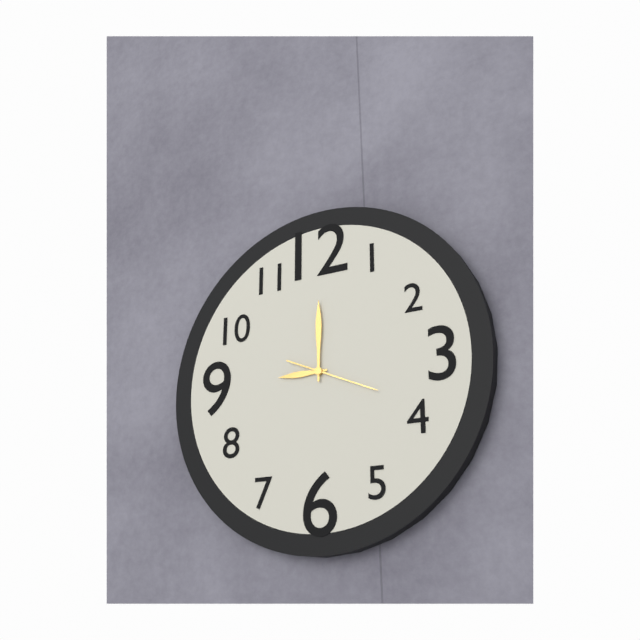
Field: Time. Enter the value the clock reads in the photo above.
9:00:19
